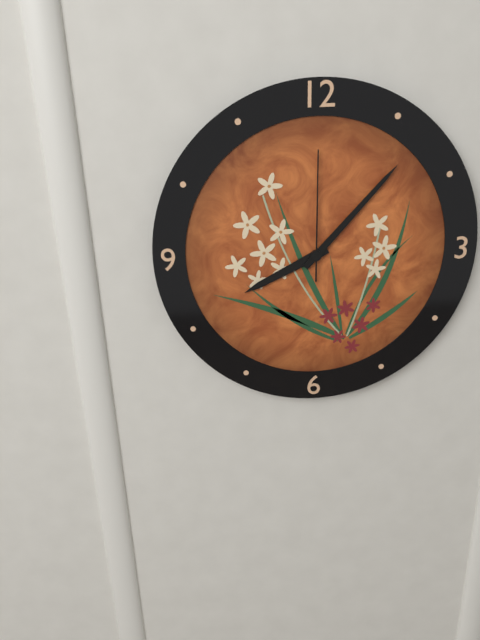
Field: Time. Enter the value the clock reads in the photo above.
8:07:00
